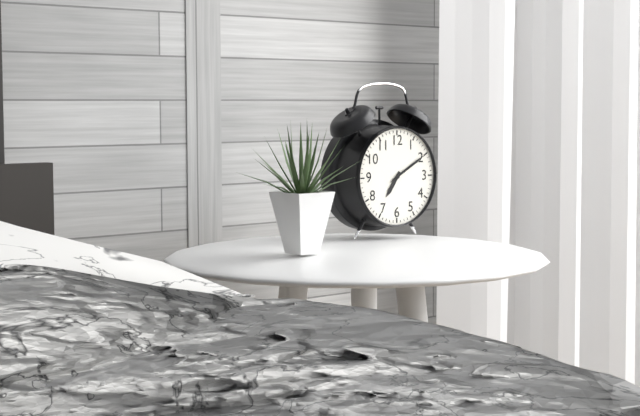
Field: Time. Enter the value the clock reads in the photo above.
7:10
